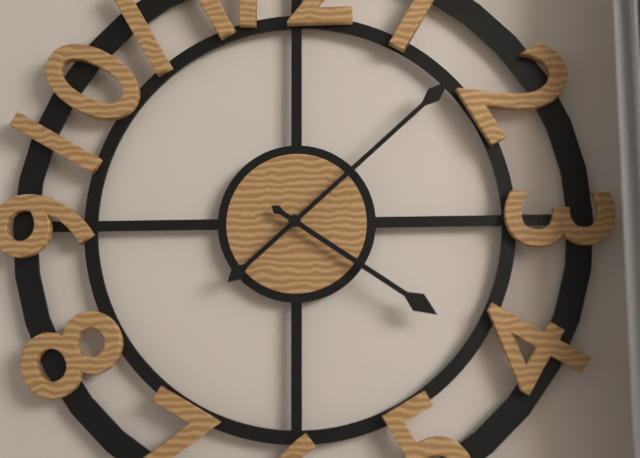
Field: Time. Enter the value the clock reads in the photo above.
4:08
